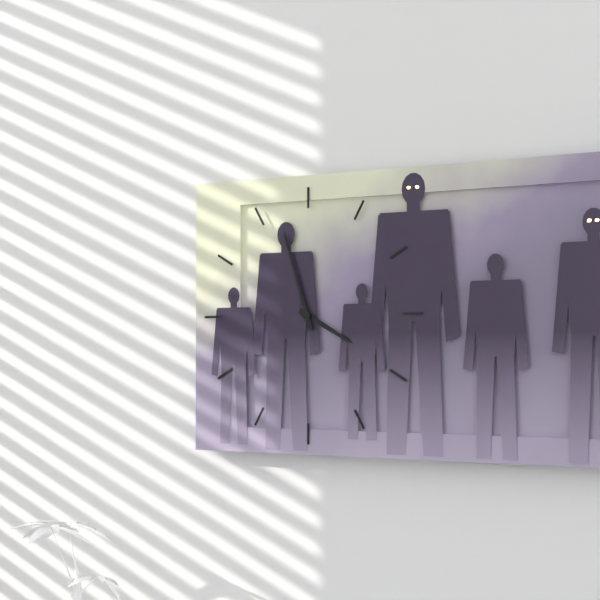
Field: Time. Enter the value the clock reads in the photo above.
3:57
